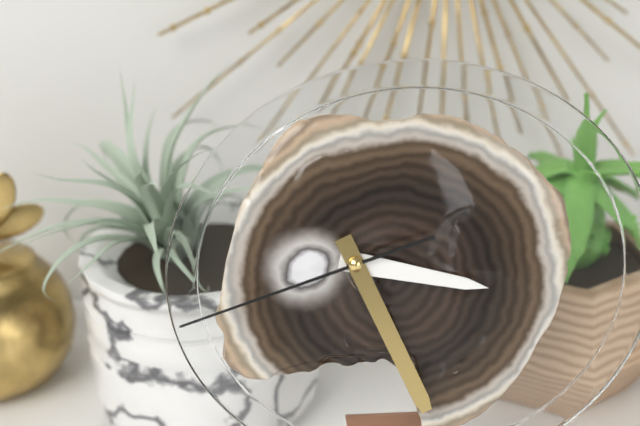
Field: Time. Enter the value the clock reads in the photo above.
3:26:42
